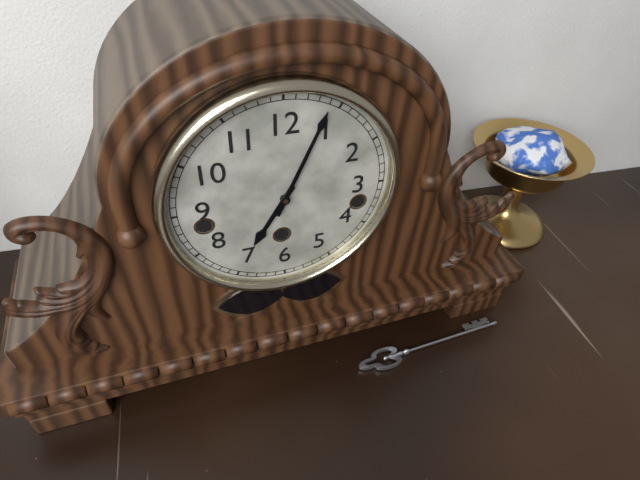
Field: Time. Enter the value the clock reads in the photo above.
7:04
